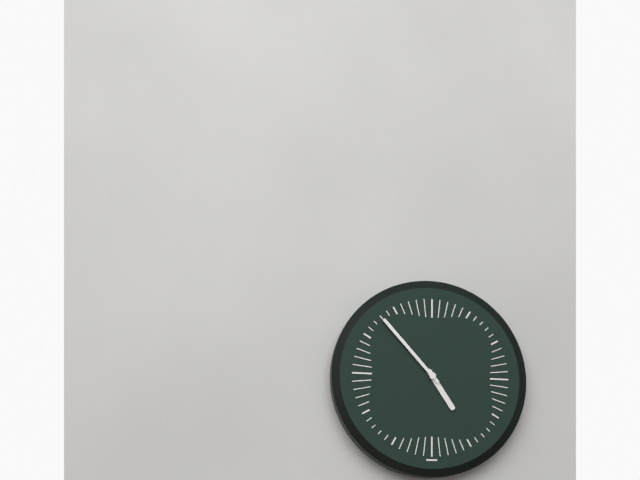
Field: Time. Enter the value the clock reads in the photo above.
4:53
